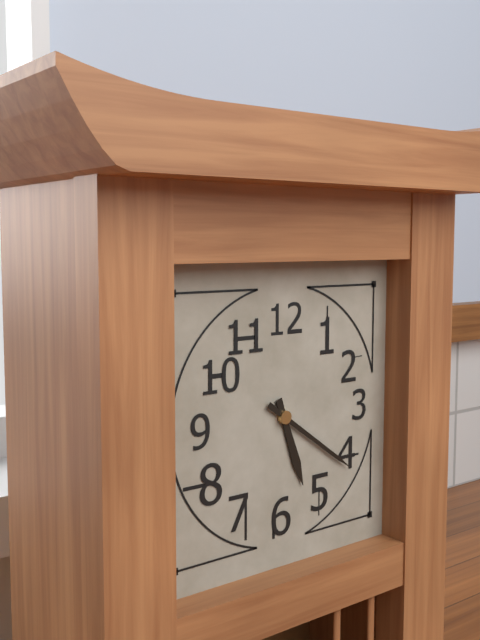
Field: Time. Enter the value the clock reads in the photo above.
5:21
